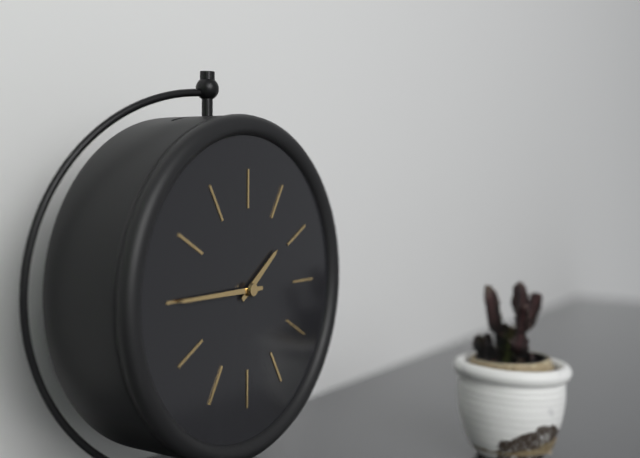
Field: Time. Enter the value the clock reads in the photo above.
1:45
